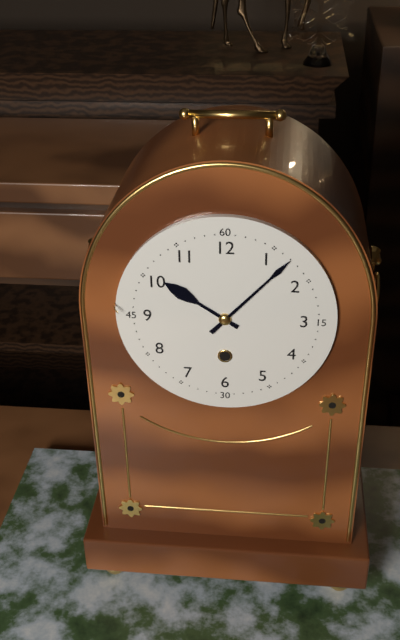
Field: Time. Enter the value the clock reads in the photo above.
10:07
